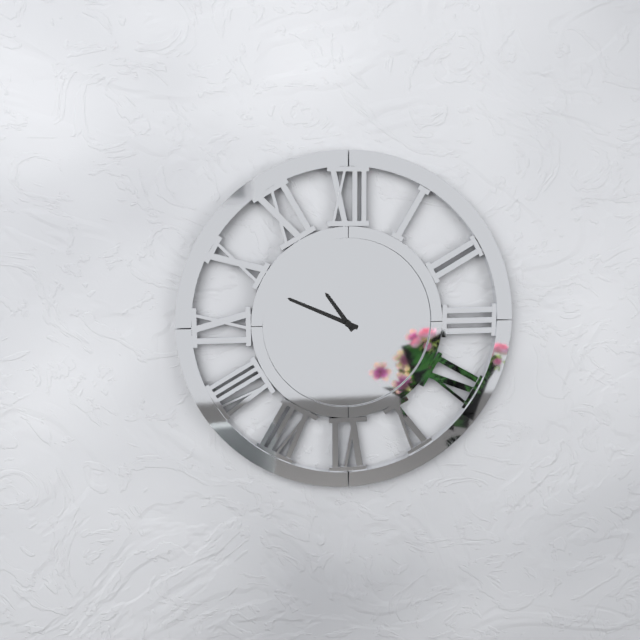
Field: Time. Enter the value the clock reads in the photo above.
10:49
